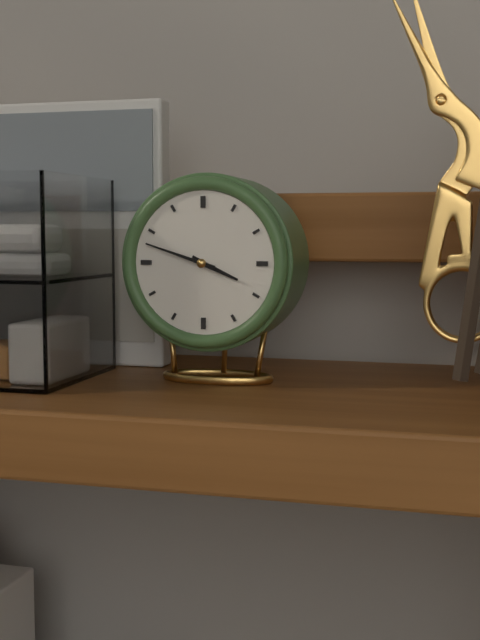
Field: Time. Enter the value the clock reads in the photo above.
3:48
